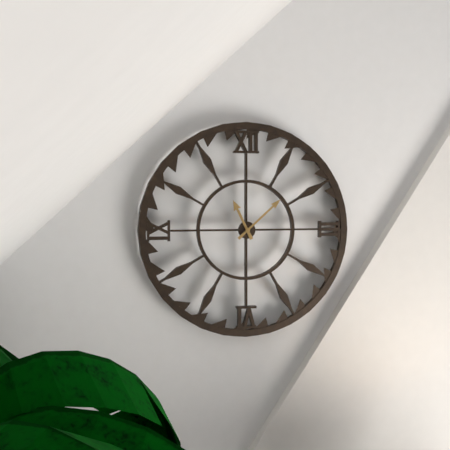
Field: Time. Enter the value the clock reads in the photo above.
11:08
